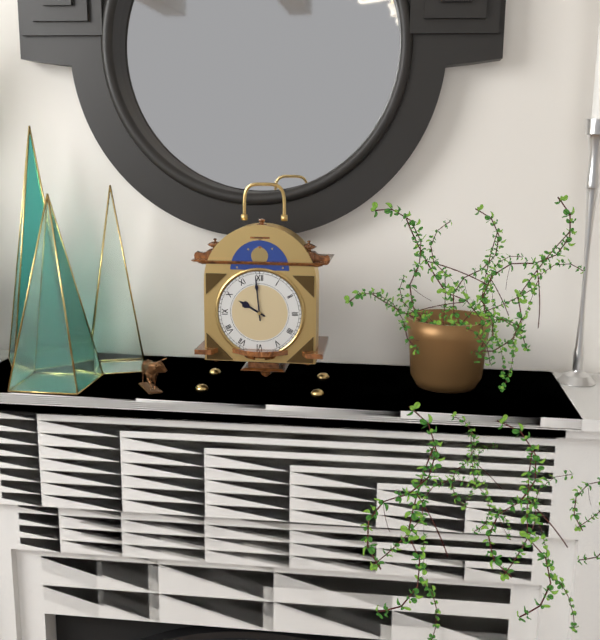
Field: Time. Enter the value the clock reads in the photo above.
9:59
